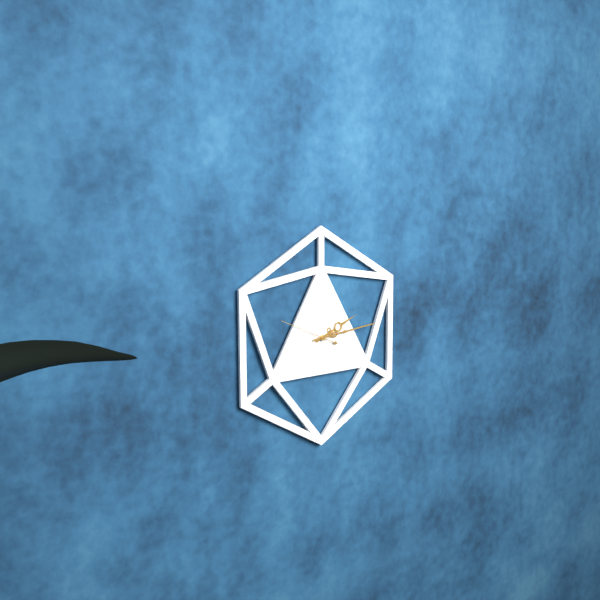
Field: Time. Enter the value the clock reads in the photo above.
2:14:49
